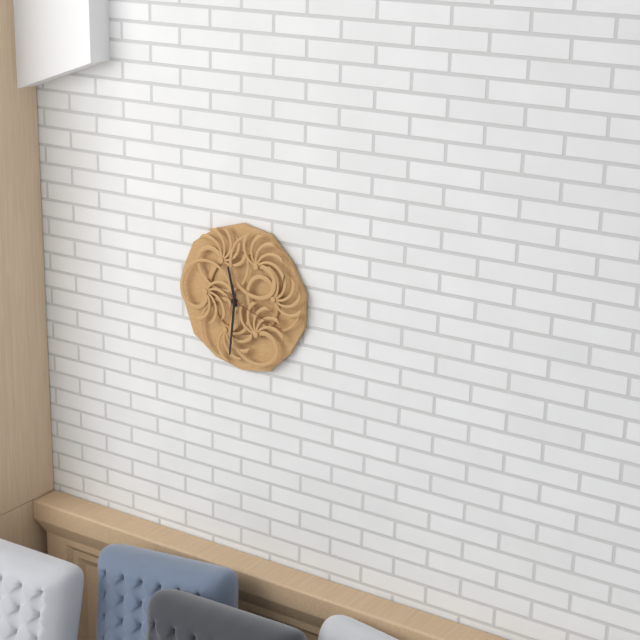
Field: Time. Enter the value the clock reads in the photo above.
11:31:18
